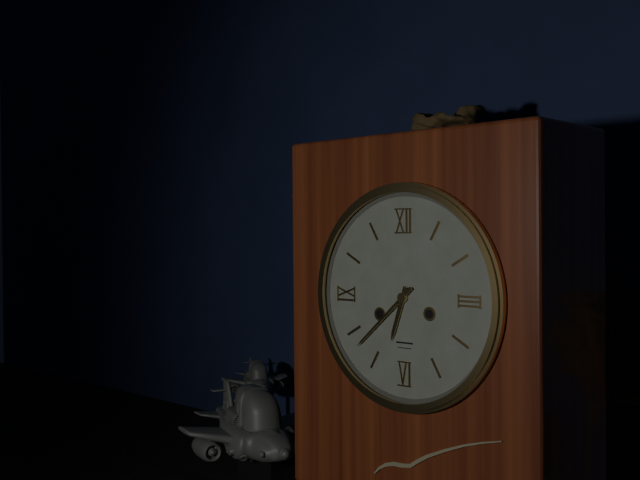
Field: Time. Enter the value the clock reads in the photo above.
6:38
